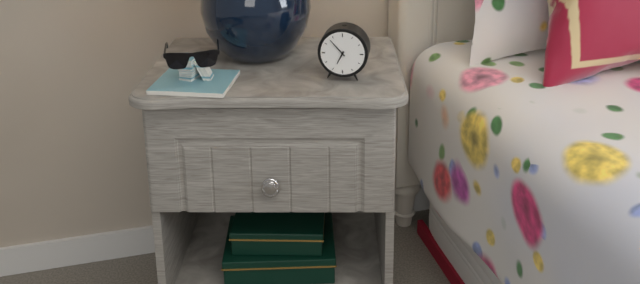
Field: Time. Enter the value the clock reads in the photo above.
6:53
